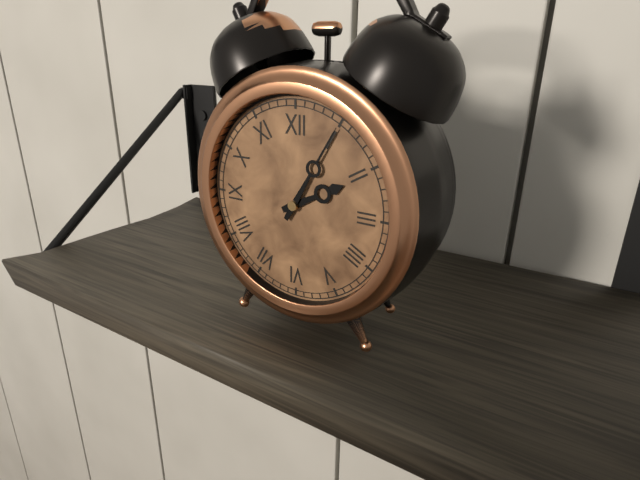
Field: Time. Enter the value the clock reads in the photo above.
2:05
